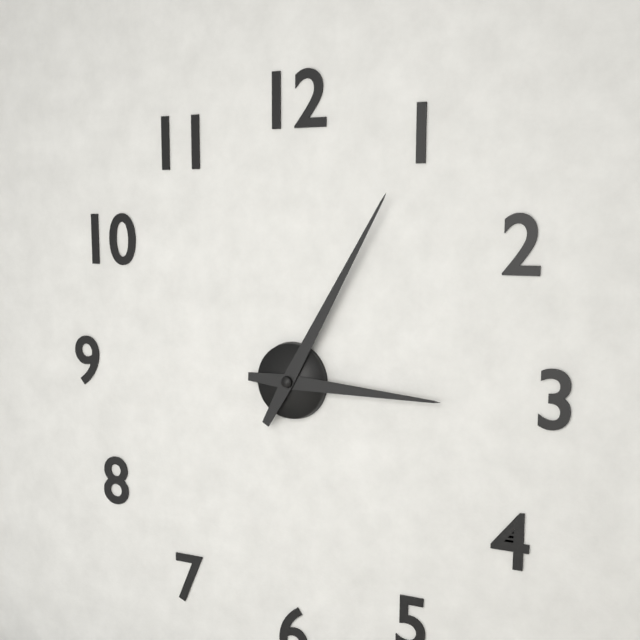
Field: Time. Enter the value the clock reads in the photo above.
3:05
